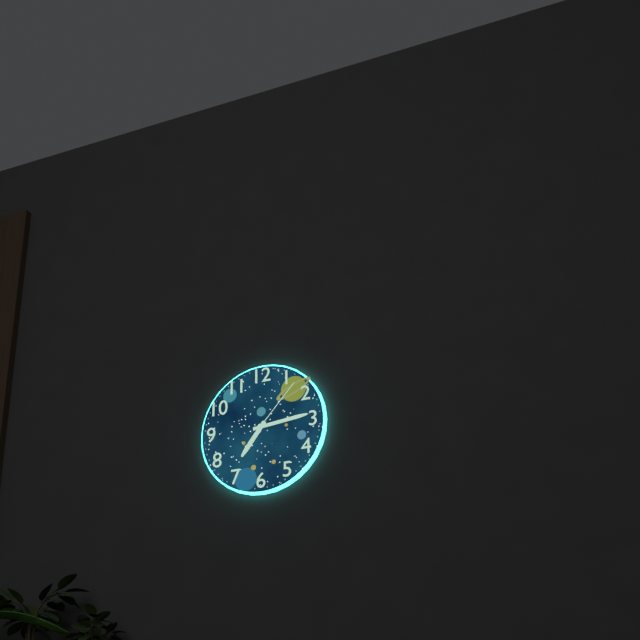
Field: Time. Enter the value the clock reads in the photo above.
7:14:07
